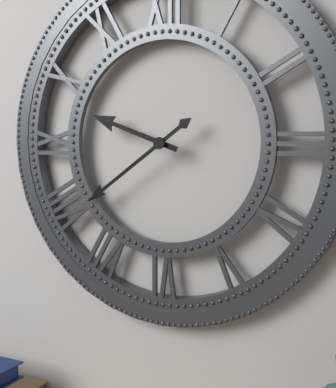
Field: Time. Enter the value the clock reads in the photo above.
9:39
